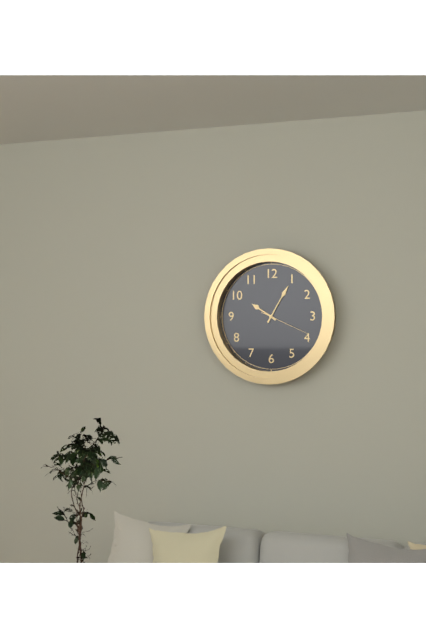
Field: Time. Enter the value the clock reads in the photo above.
10:05:19
